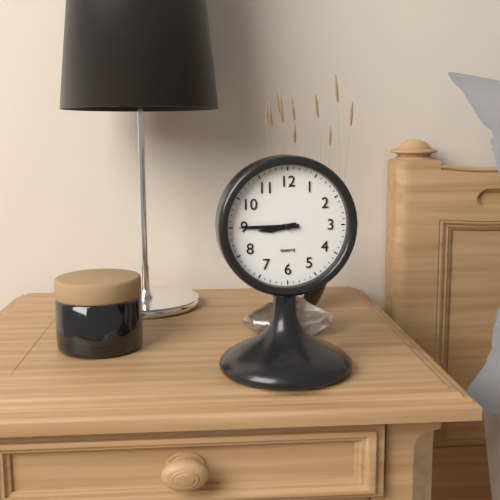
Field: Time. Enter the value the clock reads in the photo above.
8:45
